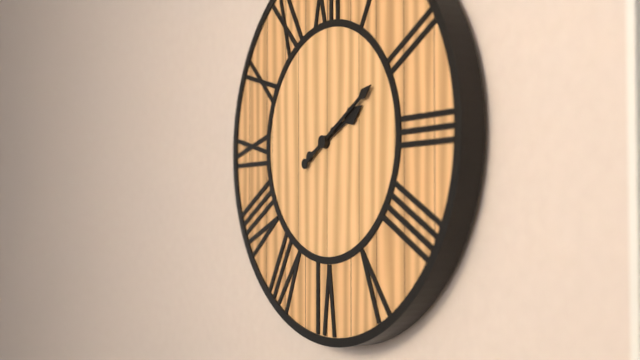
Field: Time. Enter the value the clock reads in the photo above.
2:10
